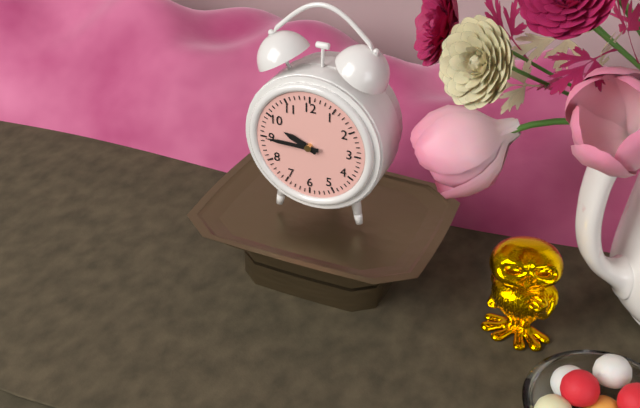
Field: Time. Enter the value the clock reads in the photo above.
9:45
